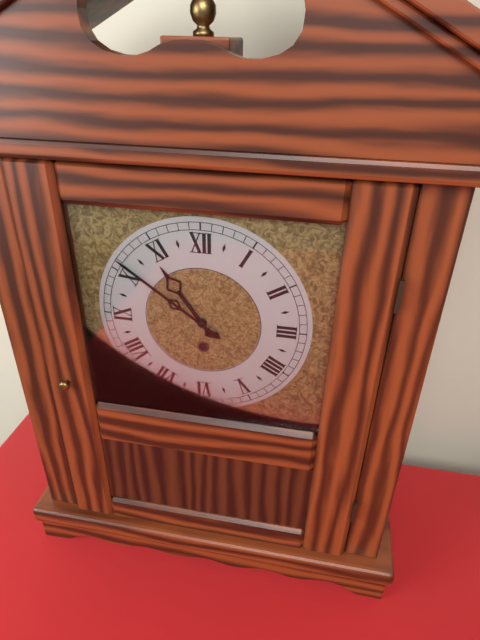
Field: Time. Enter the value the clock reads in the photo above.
10:51
